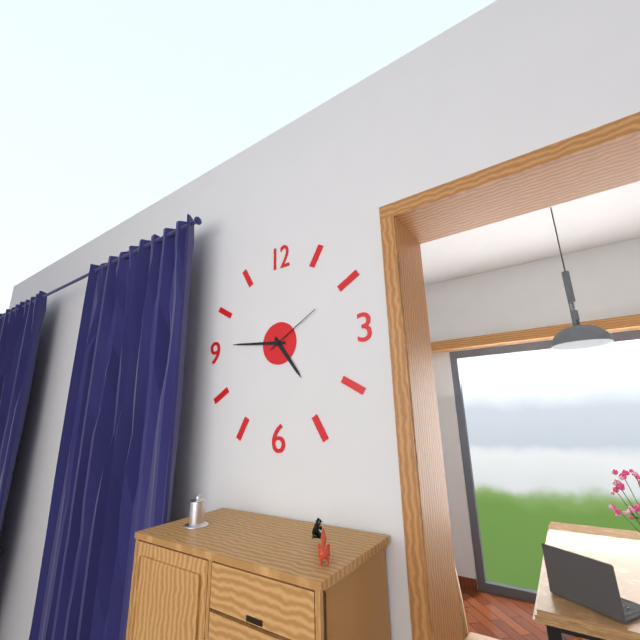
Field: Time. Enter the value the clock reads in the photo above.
4:46:10
